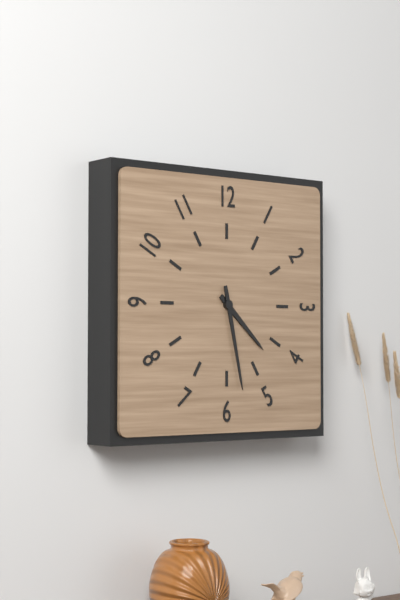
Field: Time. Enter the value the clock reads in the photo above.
4:28
